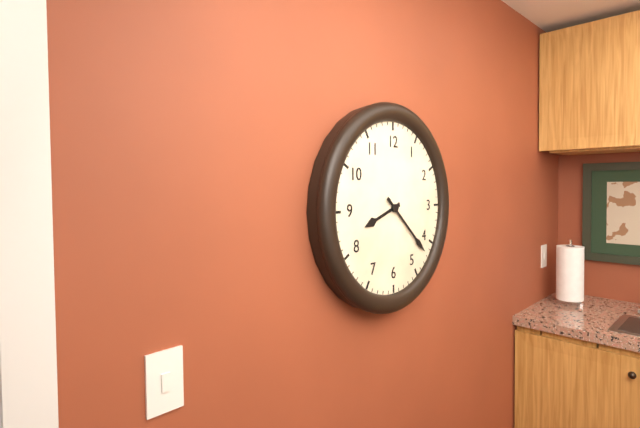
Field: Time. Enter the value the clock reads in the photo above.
8:22
